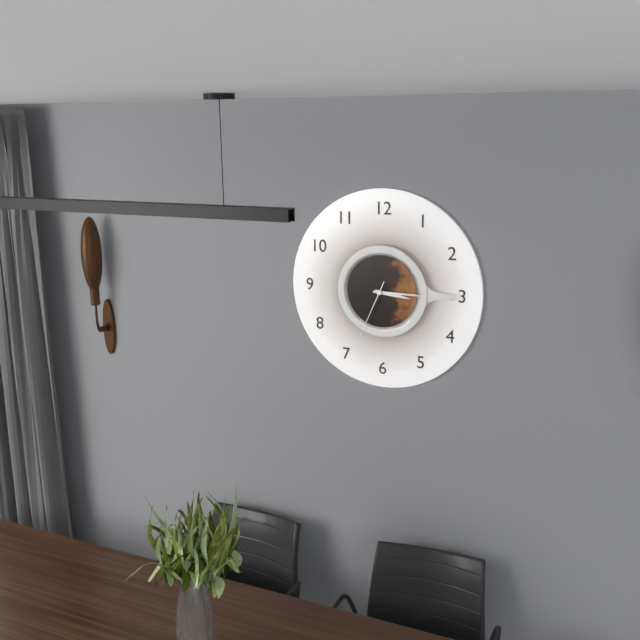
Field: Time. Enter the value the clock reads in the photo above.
3:15:34
